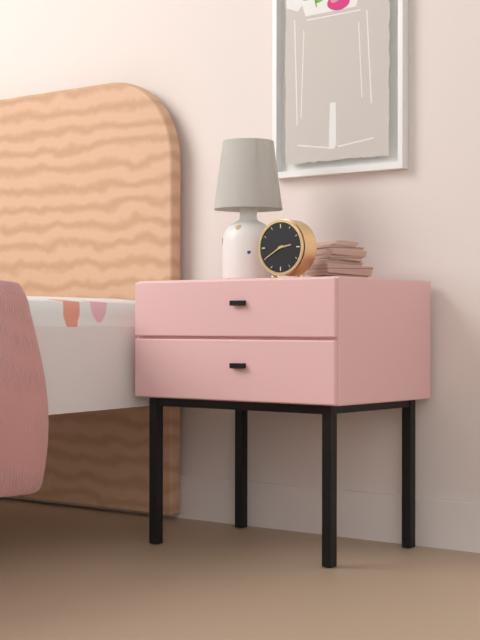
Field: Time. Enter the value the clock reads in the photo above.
2:40
